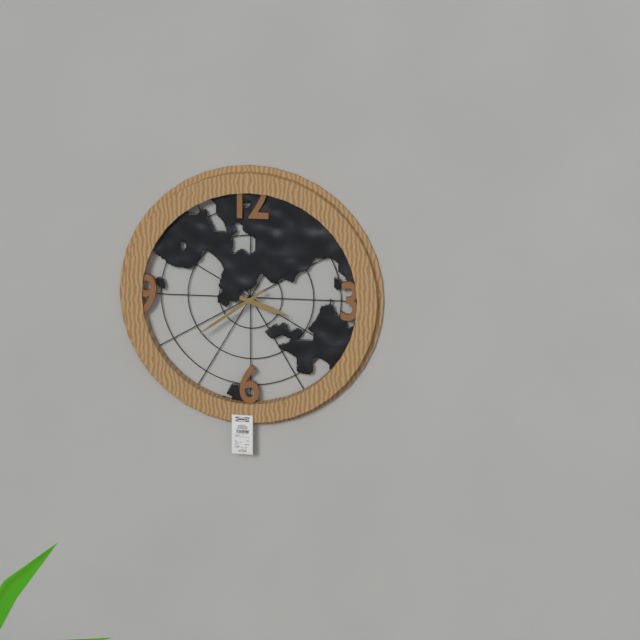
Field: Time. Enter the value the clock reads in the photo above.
3:39
